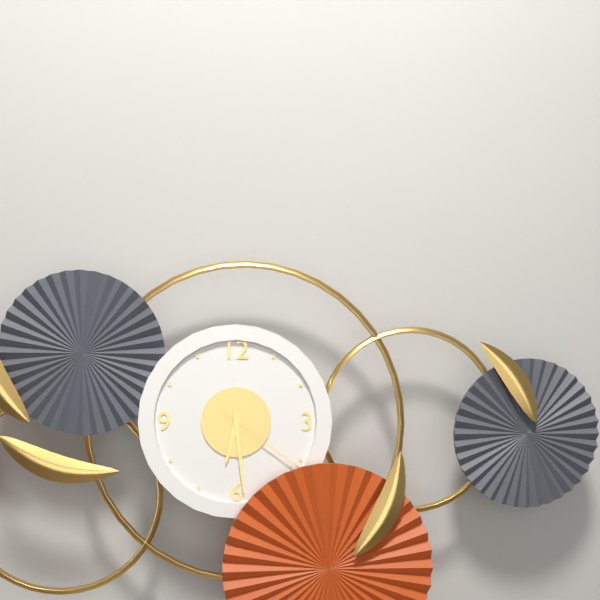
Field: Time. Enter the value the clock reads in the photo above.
6:29:21
